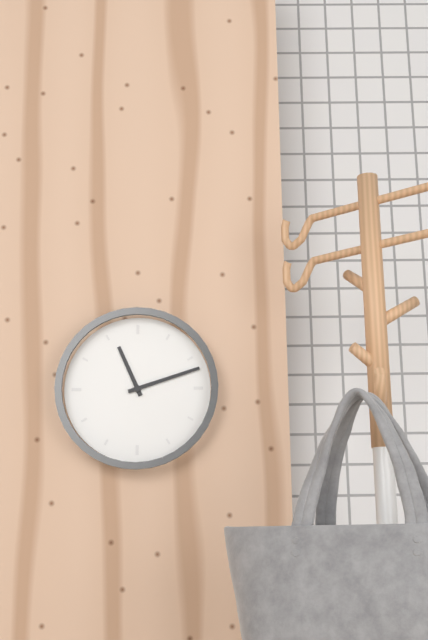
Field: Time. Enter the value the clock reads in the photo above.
11:12
